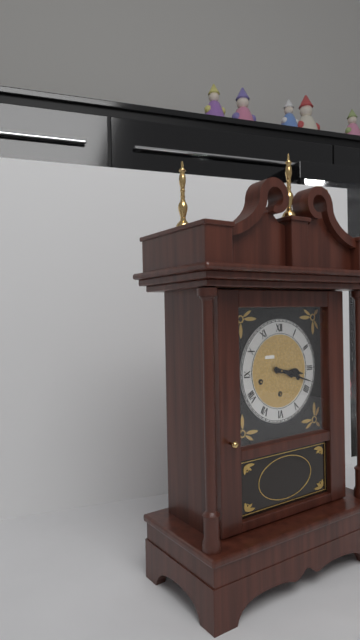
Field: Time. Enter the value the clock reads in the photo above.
3:18
